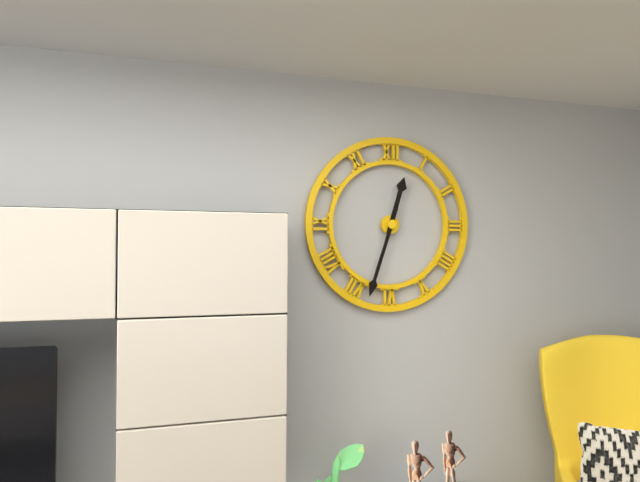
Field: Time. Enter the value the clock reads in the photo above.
12:33
